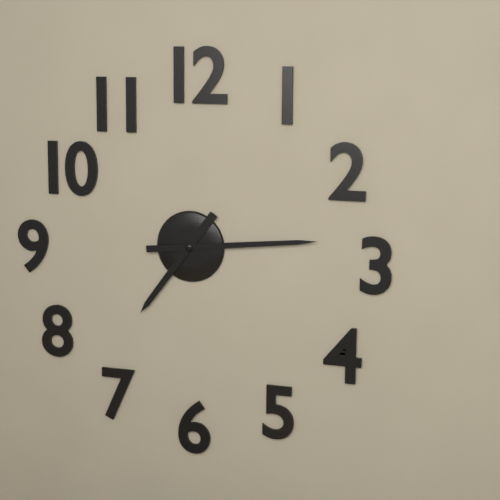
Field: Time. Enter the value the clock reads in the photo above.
7:14
